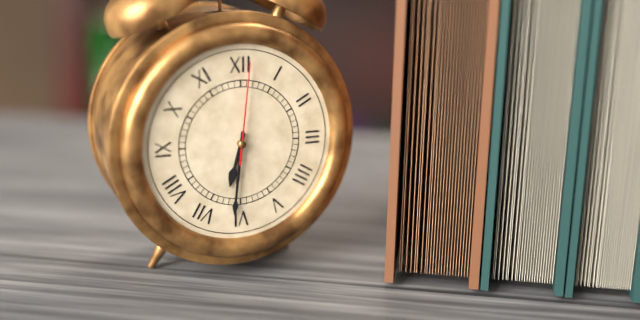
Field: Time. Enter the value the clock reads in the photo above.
6:31:01
